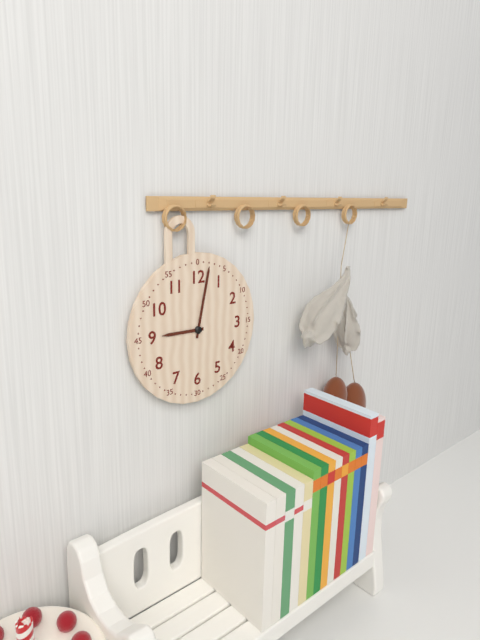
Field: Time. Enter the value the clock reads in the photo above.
9:02
